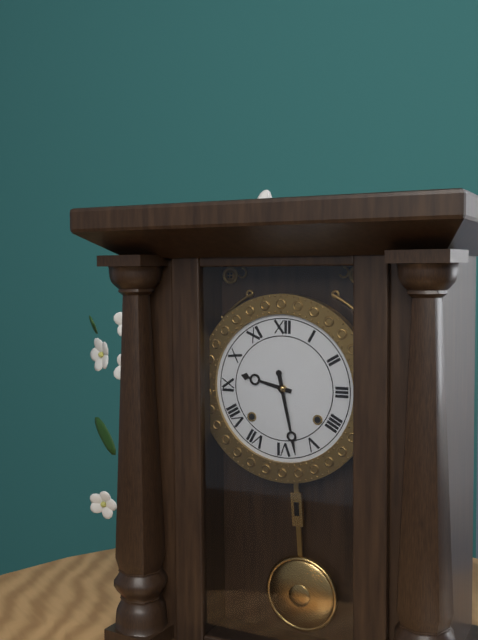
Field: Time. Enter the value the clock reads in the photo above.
9:28
